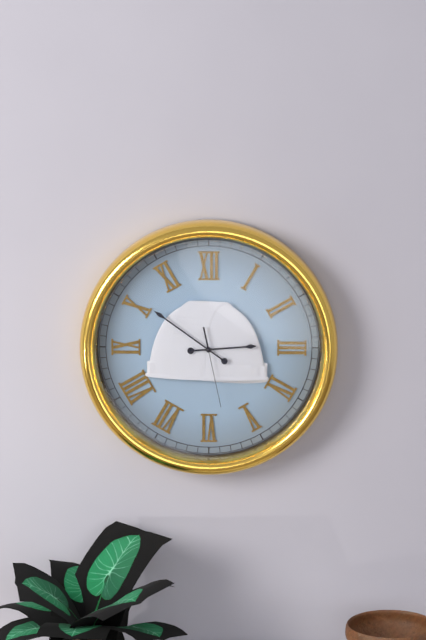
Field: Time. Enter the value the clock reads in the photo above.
2:51:28
